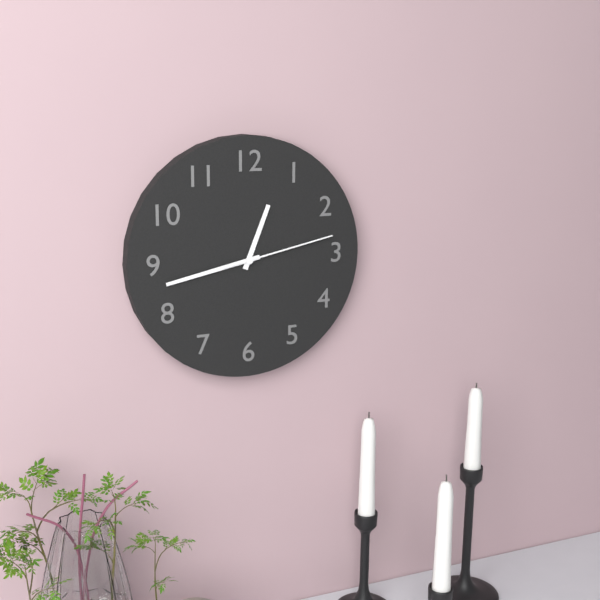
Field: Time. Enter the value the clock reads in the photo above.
12:43:13
